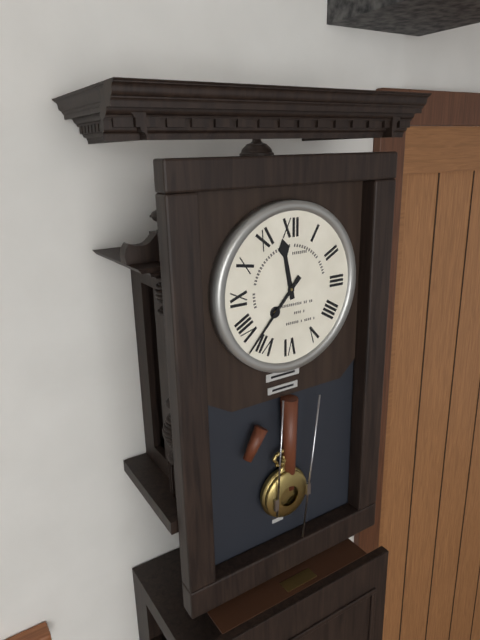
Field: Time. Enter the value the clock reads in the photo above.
11:37
